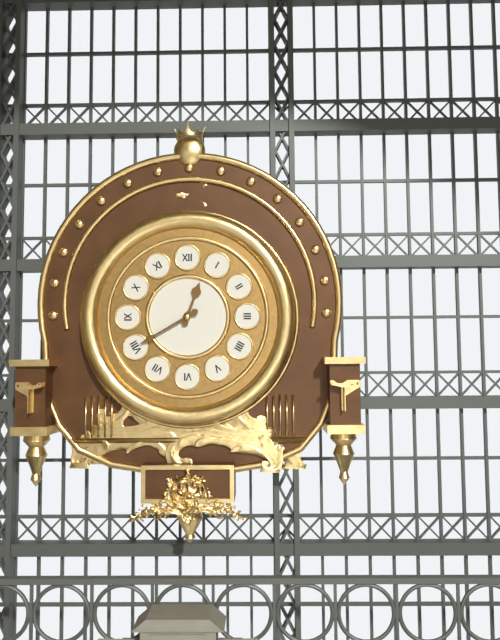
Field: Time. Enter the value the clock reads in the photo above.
12:40
